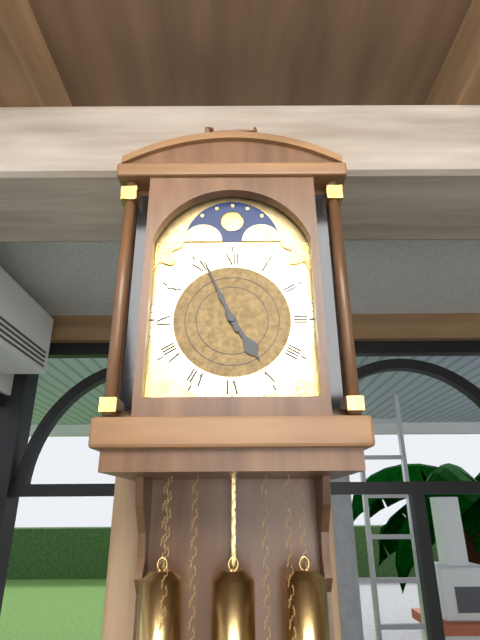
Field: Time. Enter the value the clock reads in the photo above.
4:56
